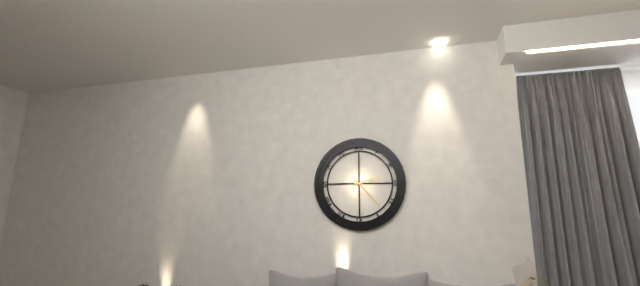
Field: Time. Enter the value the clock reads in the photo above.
2:23
